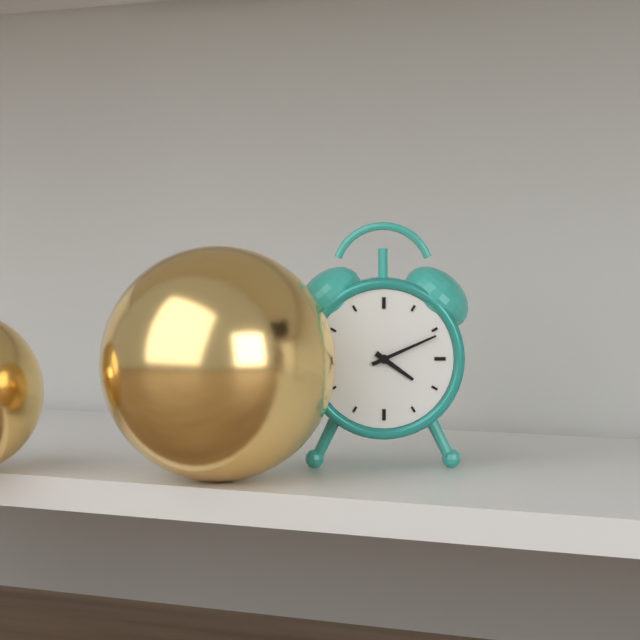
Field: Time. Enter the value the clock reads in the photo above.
4:11
